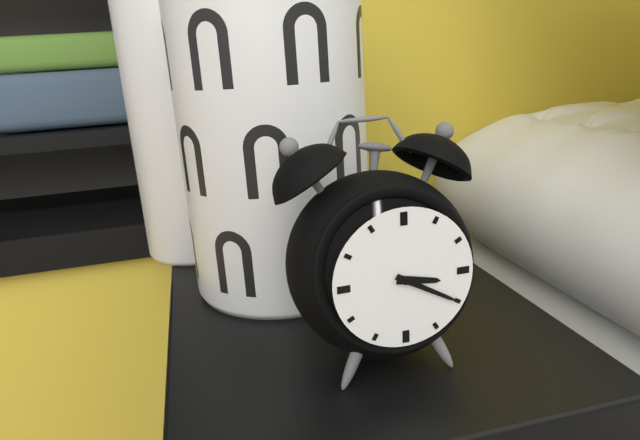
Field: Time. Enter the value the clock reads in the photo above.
3:20
